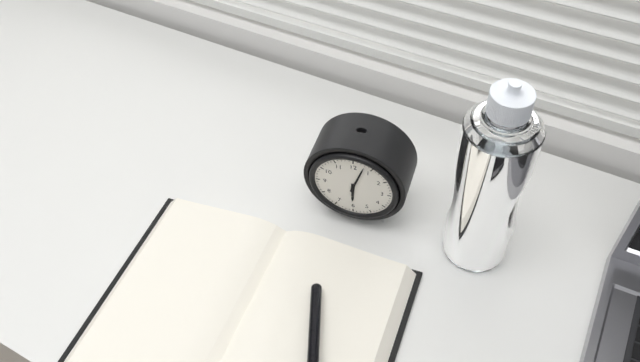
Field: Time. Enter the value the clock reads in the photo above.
6:03
